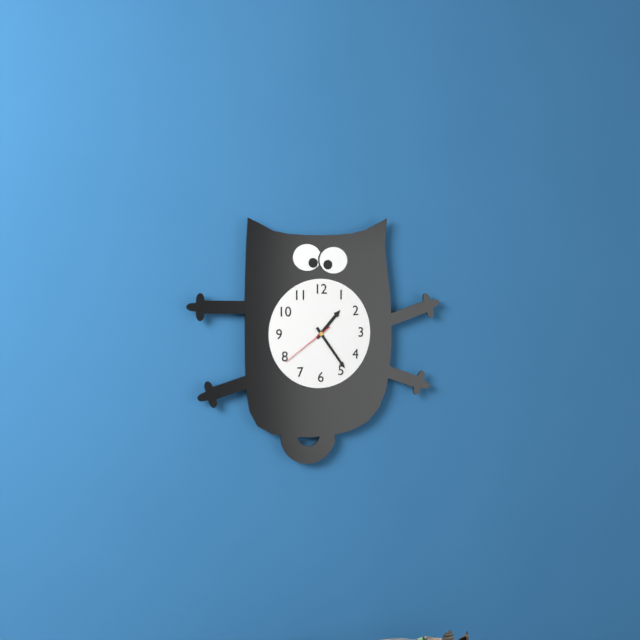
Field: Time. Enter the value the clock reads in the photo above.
1:24:39
